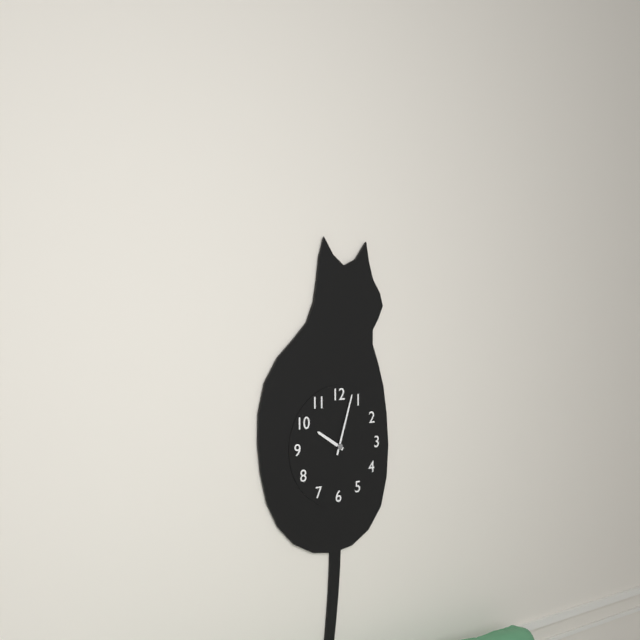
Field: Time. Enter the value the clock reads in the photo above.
10:03
